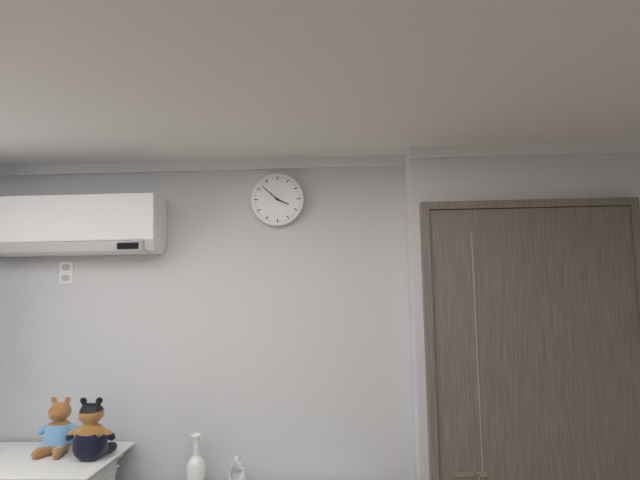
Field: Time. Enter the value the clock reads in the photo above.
3:52
